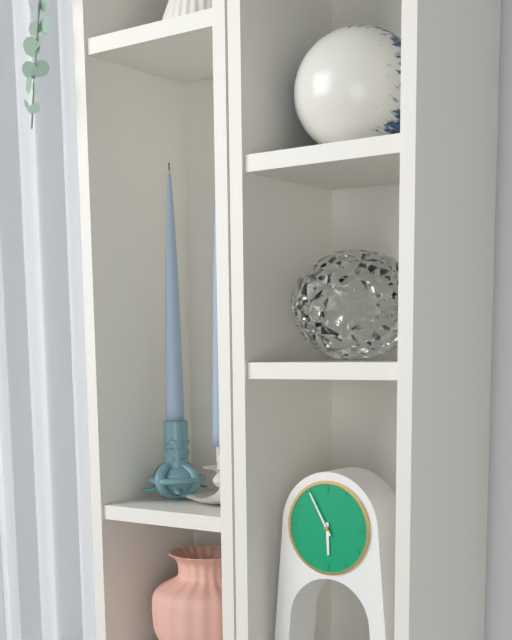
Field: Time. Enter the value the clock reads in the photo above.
5:55
